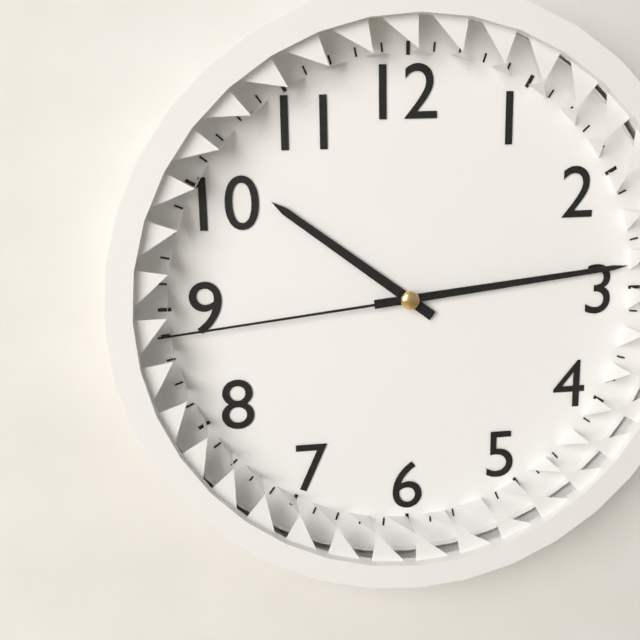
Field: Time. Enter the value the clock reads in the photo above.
10:14:44
